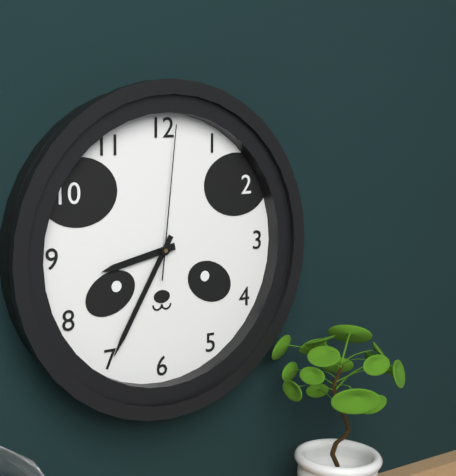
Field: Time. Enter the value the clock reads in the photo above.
8:35:01
